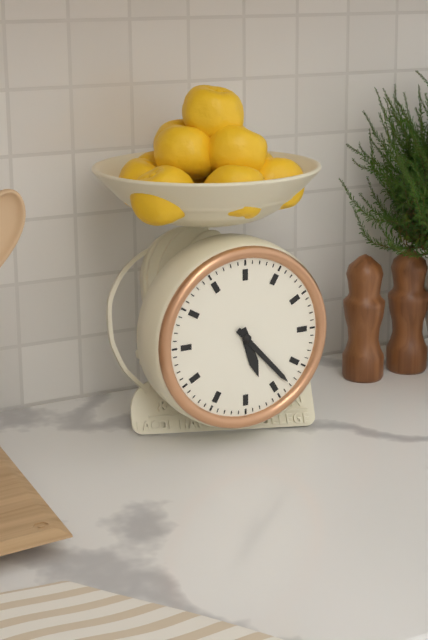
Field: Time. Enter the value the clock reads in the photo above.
5:23
